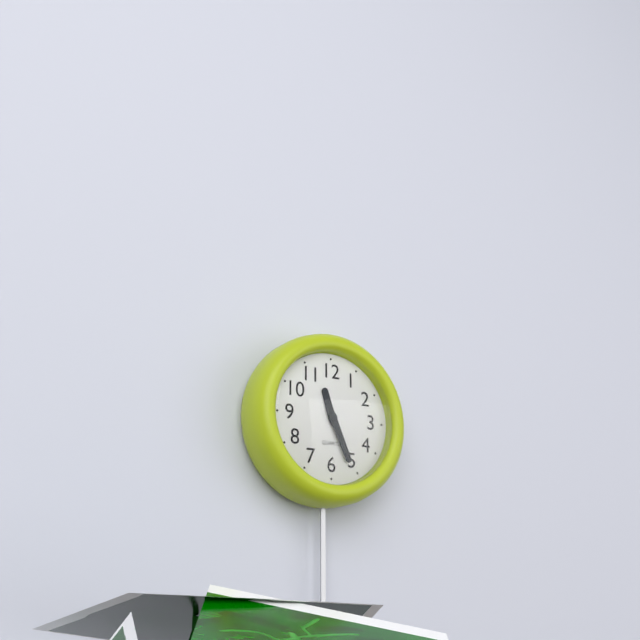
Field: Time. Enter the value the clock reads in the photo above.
11:26
